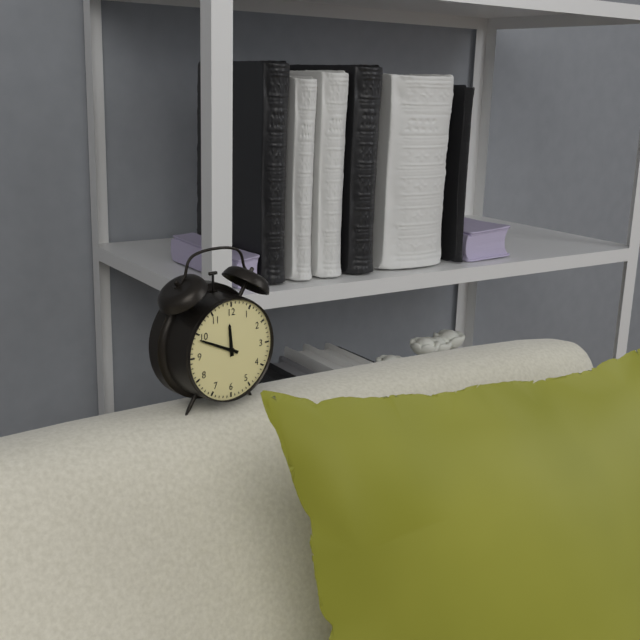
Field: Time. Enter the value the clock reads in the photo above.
11:49
